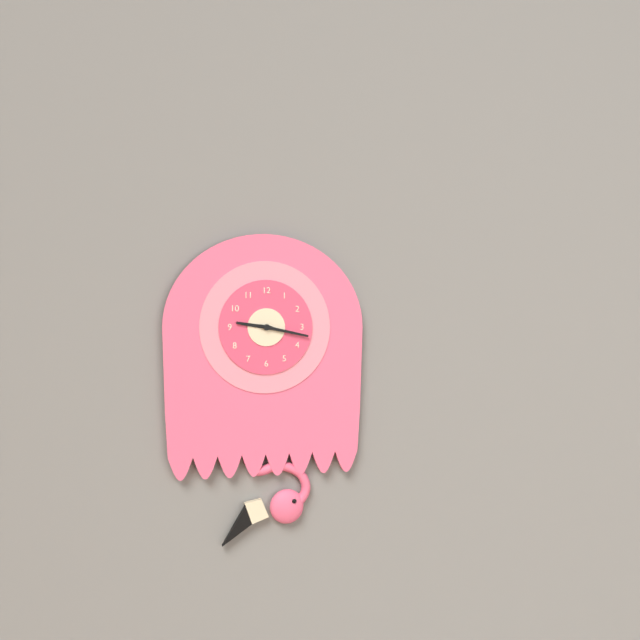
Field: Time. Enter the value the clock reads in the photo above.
9:17
